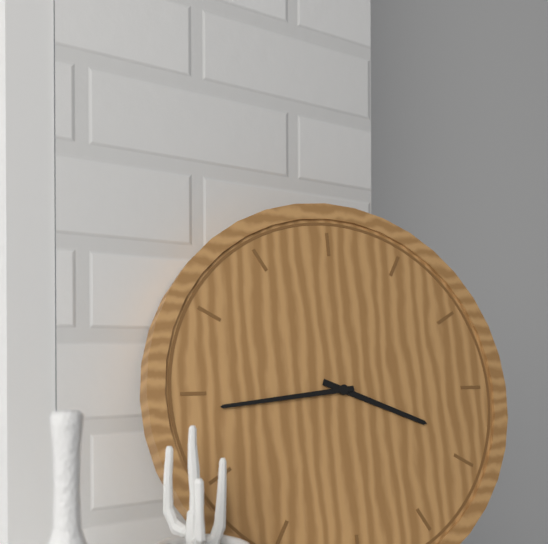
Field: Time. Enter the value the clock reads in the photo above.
3:44
